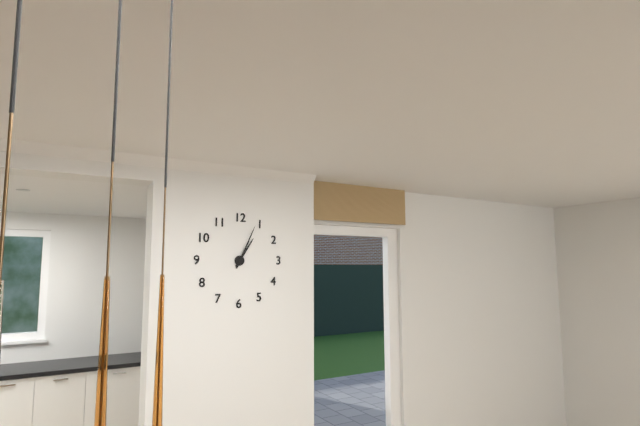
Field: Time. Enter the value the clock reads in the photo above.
1:04
